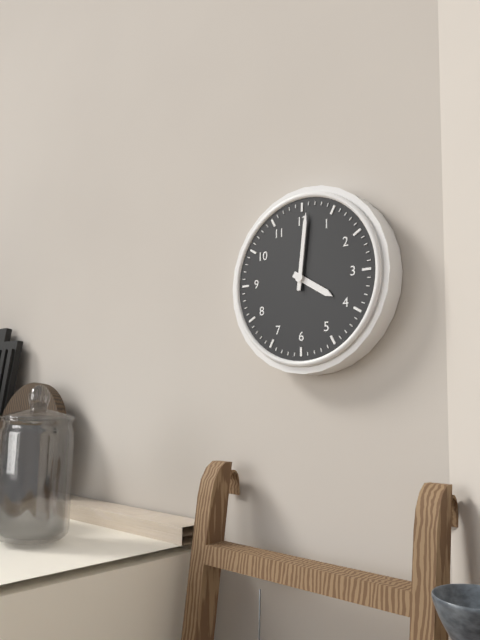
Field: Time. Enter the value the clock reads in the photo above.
4:01
